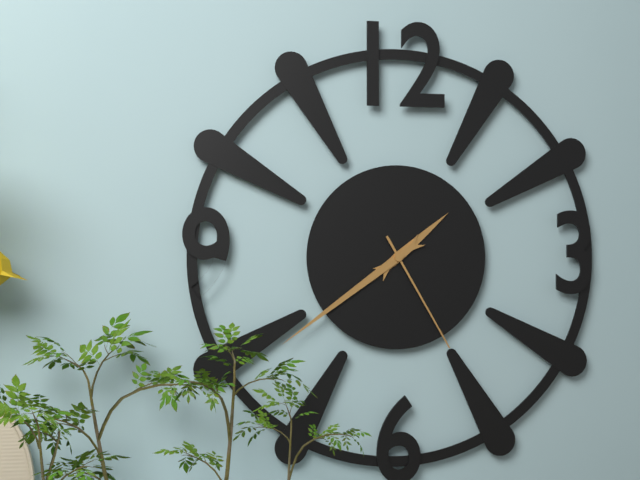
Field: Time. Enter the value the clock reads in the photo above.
1:39:25
